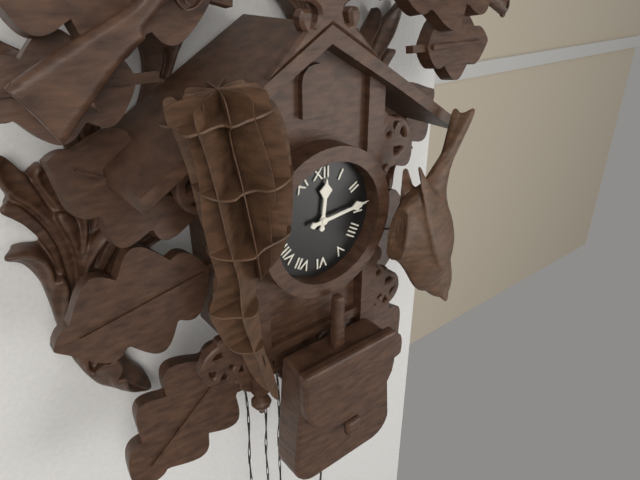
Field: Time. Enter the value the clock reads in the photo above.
12:14
